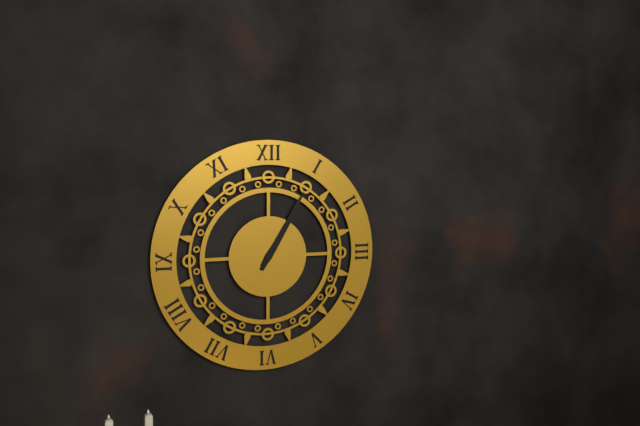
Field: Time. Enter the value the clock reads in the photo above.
1:05
